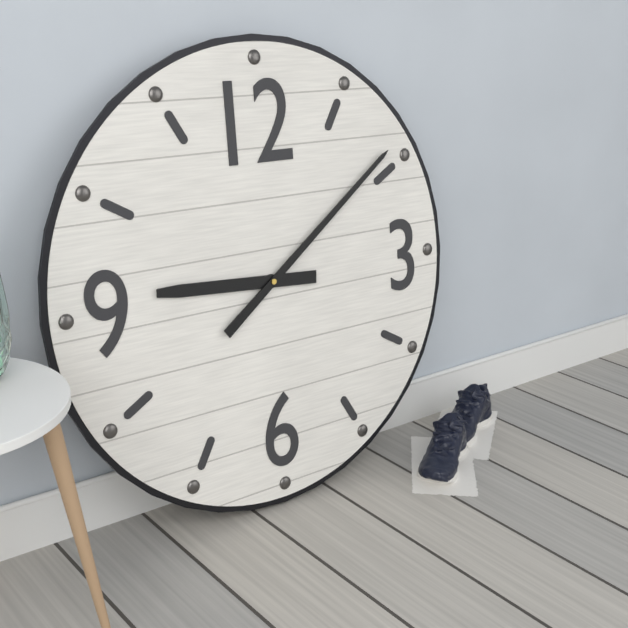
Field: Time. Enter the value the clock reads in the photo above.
9:09
